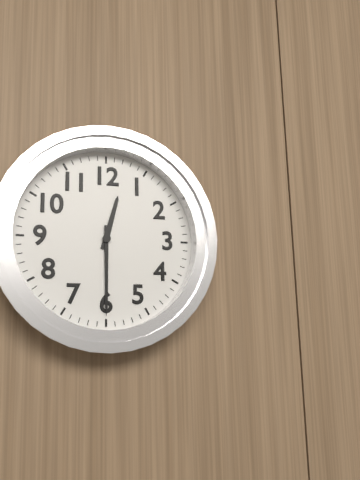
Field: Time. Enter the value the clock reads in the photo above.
12:30
